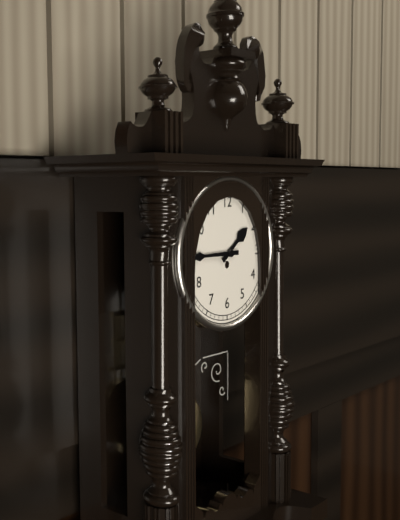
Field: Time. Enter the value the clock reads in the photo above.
1:45
